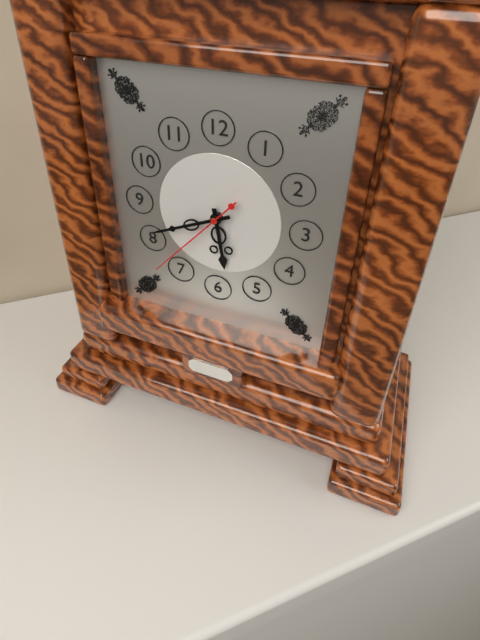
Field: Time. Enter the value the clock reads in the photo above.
5:41:37
